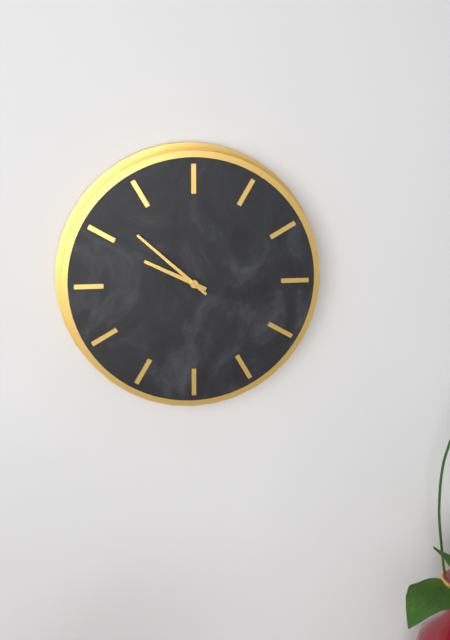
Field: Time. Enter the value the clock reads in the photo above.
9:52
